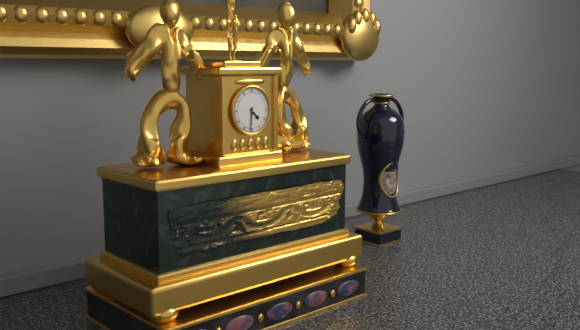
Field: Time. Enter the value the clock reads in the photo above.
4:31
